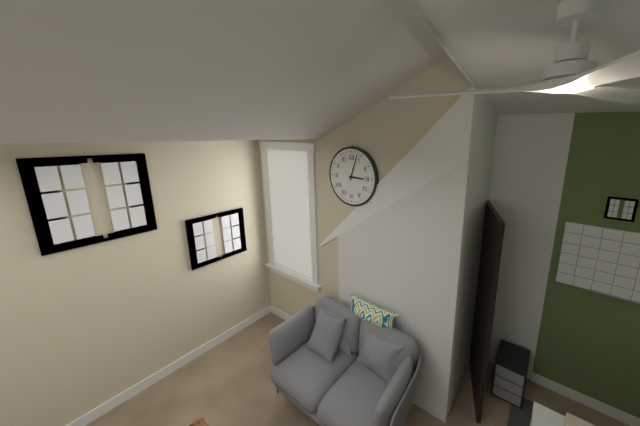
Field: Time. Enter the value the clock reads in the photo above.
3:03
